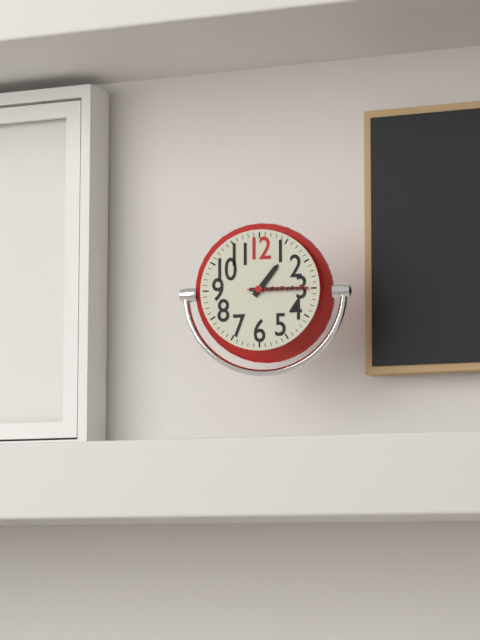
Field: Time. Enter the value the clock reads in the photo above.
1:15:15
